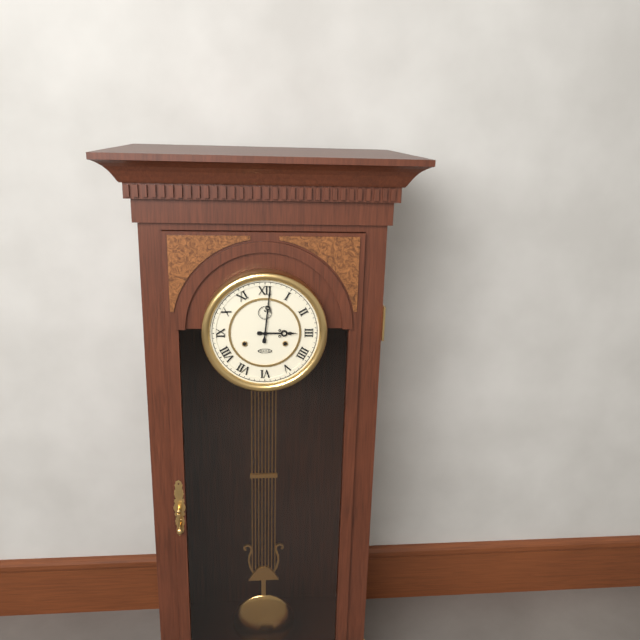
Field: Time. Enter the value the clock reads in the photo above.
3:01
